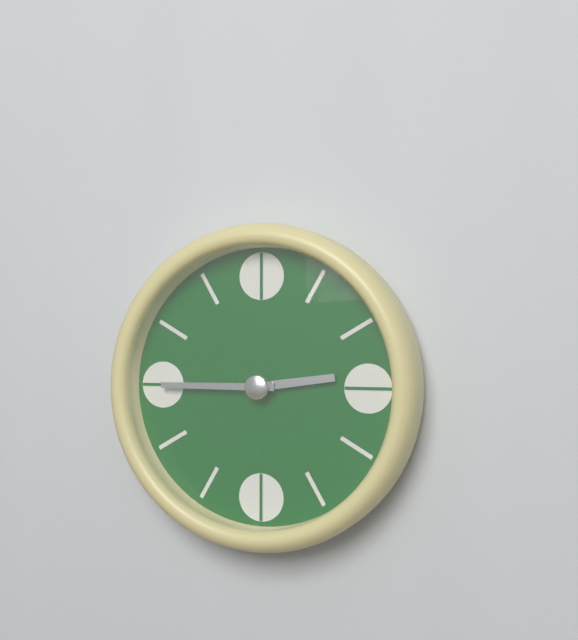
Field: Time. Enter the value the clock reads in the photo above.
2:45
